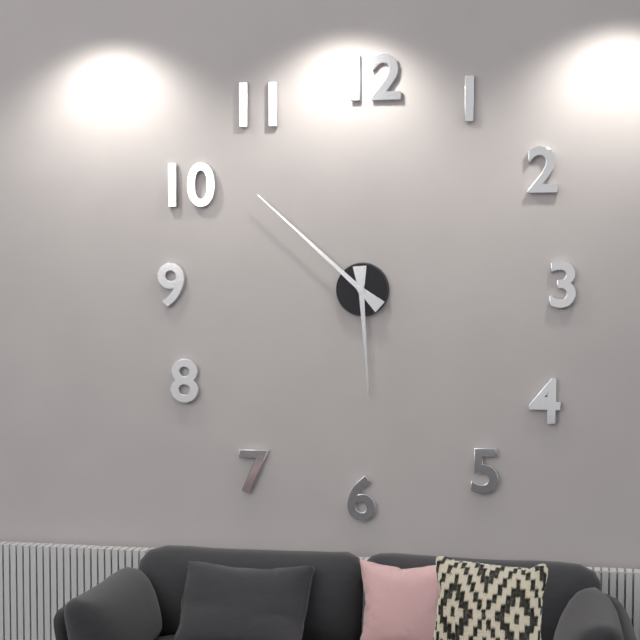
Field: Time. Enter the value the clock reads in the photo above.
5:52
